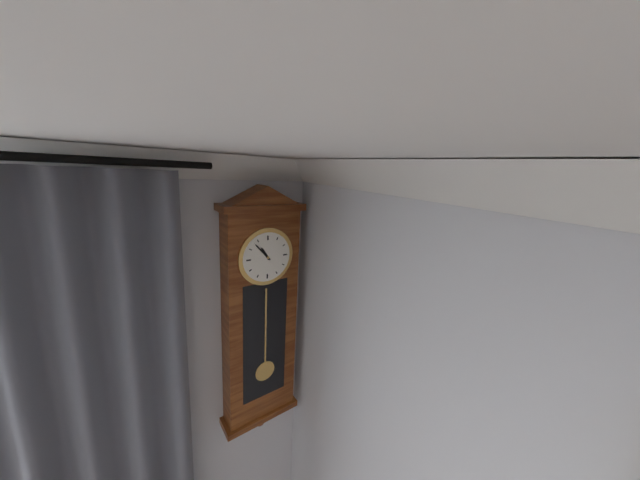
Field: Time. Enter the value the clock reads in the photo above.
10:53
